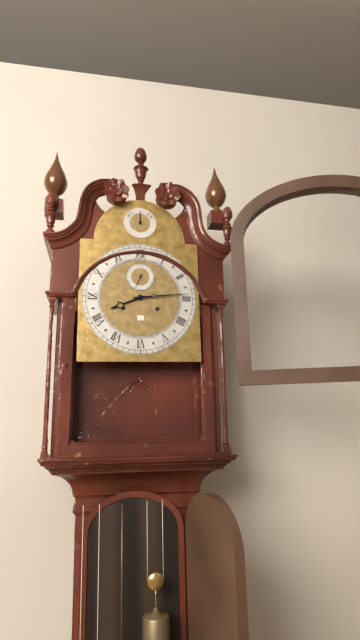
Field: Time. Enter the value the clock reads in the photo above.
8:14
